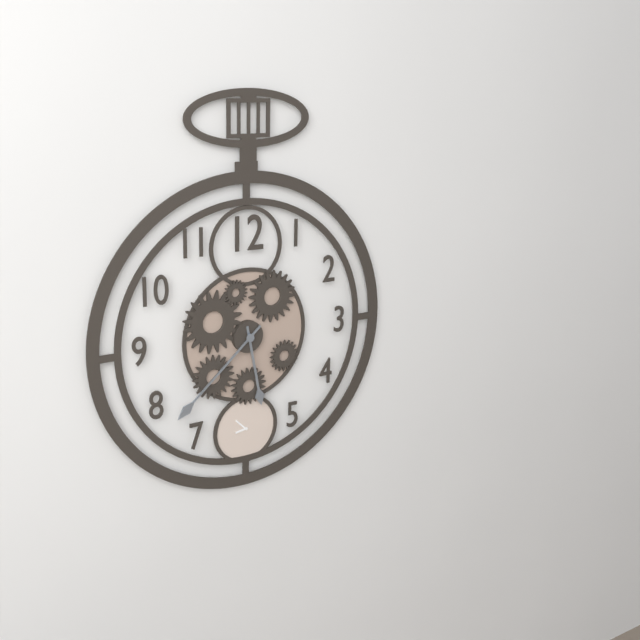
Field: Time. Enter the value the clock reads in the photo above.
5:38
